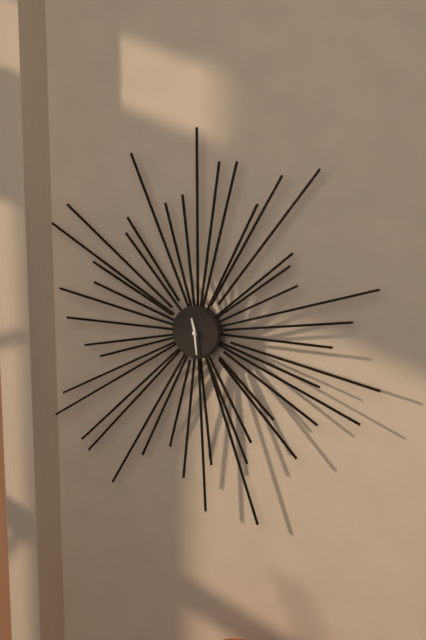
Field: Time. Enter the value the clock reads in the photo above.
11:29
